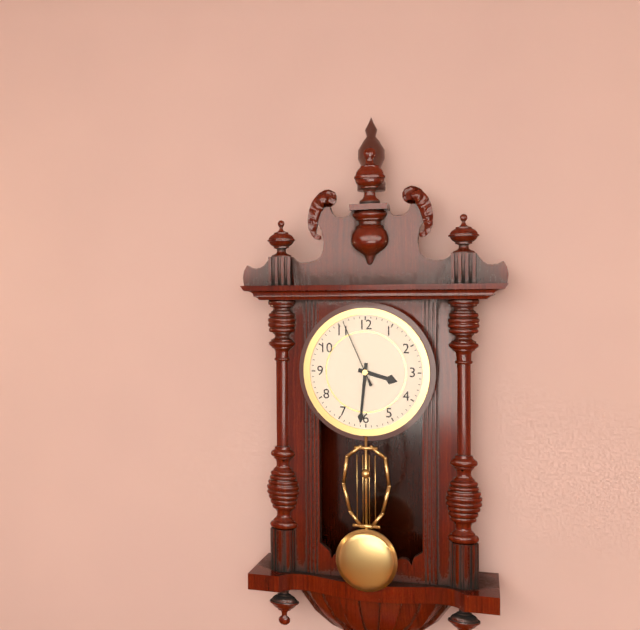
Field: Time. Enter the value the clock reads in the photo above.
3:31:56
